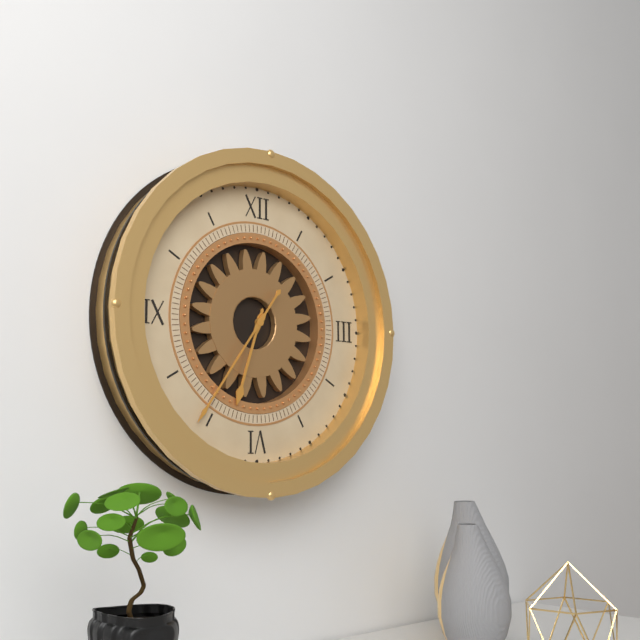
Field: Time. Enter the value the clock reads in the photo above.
6:36
